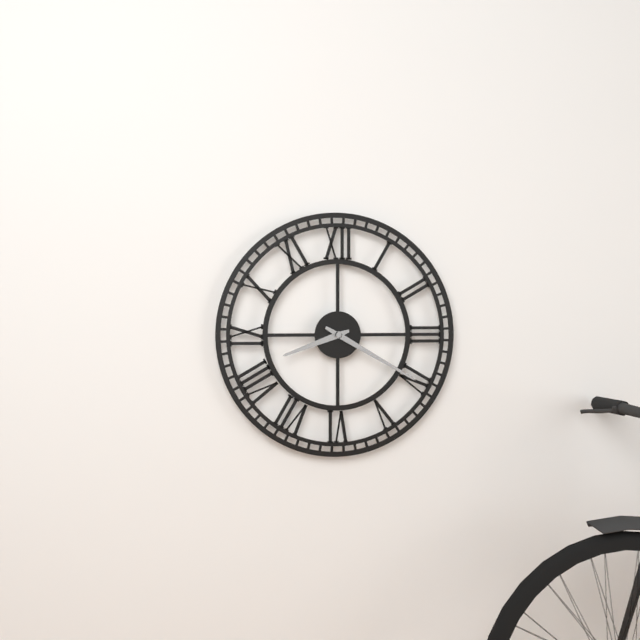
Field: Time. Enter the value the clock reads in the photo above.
8:20
